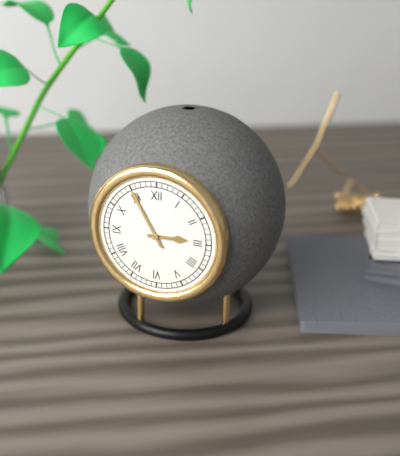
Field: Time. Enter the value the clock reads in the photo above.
2:55
